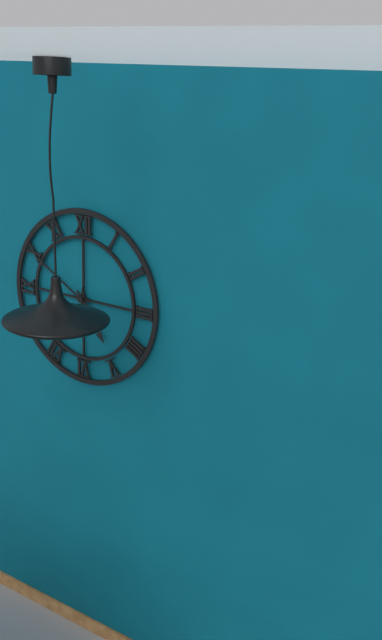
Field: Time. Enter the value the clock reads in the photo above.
4:50
